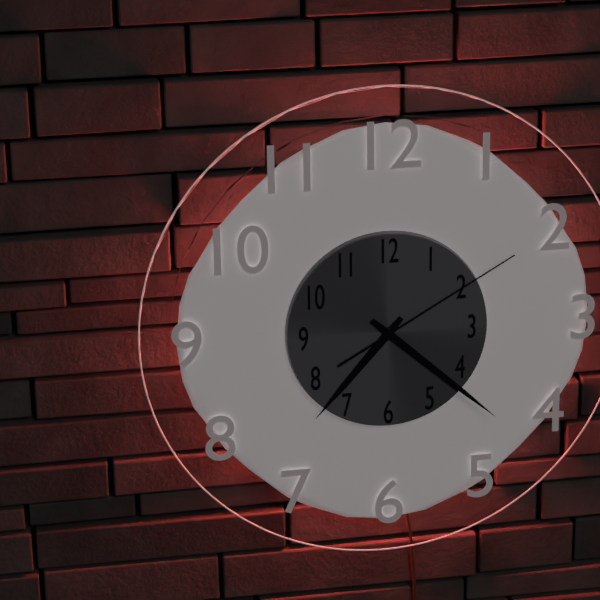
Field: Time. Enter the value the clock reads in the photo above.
7:22:10
